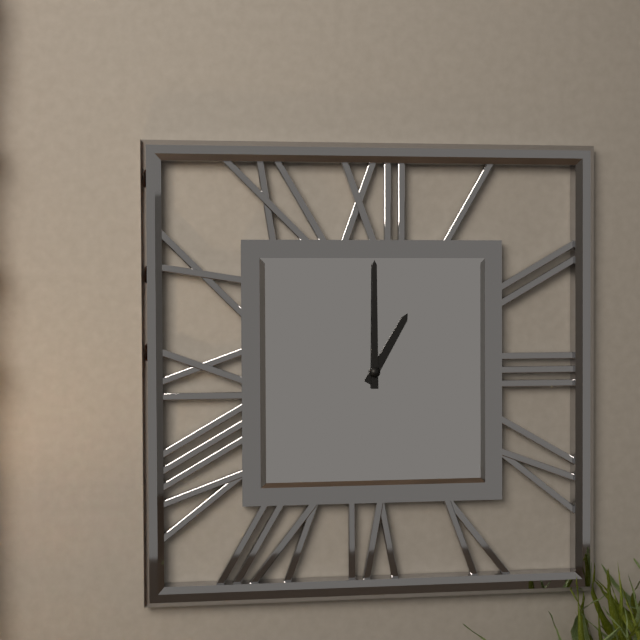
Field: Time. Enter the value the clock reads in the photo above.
1:00
